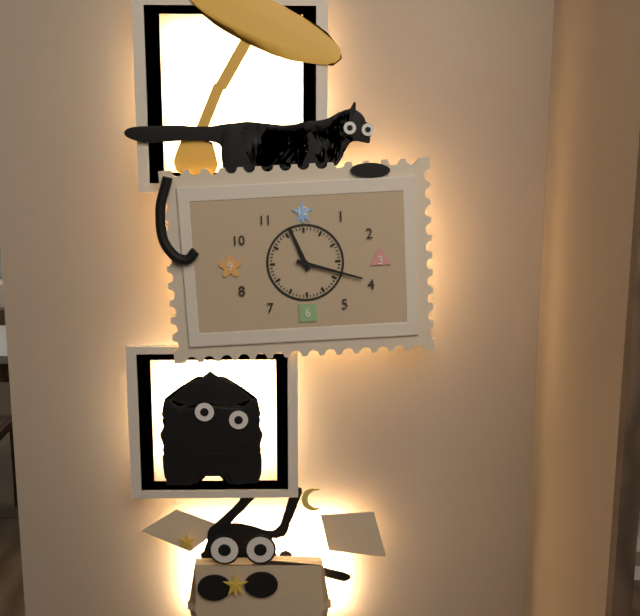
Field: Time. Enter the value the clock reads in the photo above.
11:18
